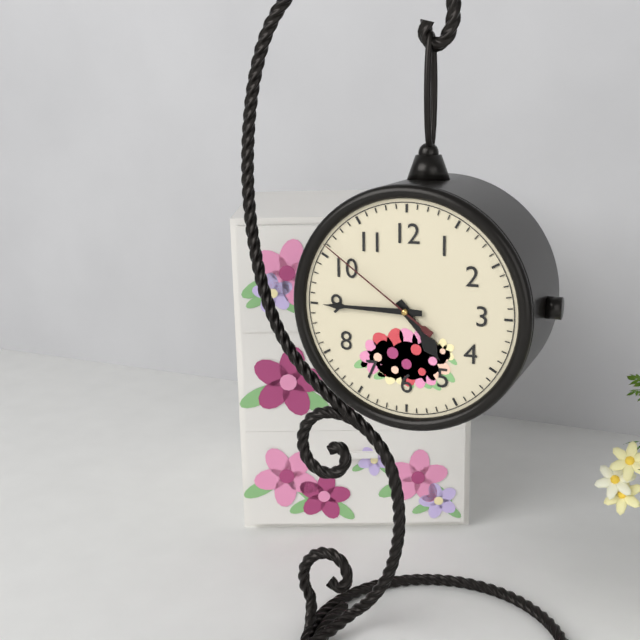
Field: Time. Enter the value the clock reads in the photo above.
4:45:51
